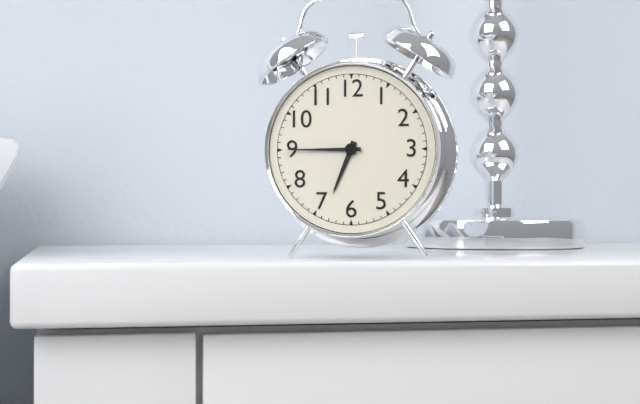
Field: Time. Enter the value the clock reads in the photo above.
6:45
